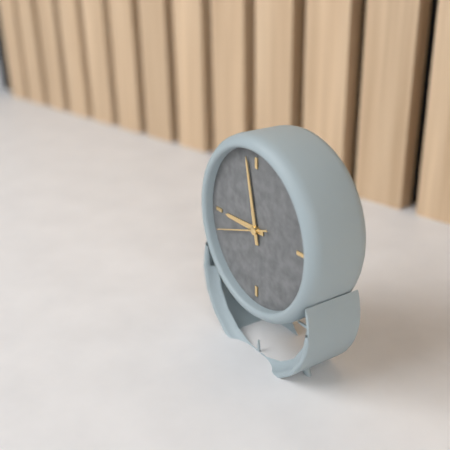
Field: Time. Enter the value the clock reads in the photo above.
8:58
